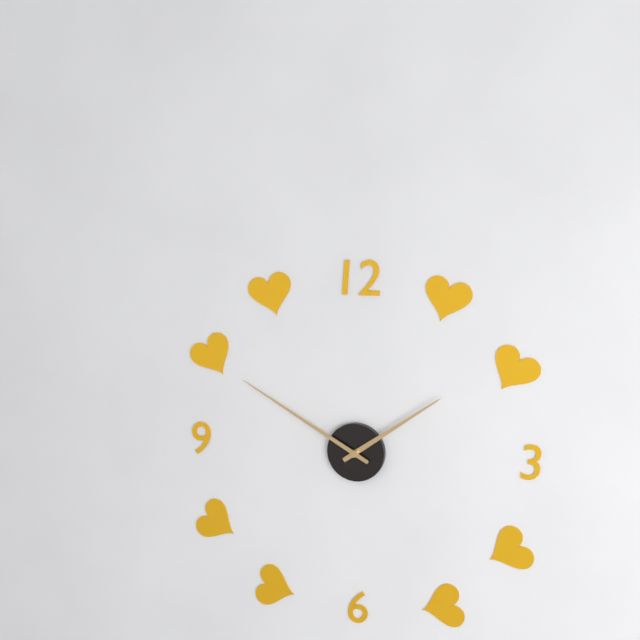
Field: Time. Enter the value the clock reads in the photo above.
1:50
